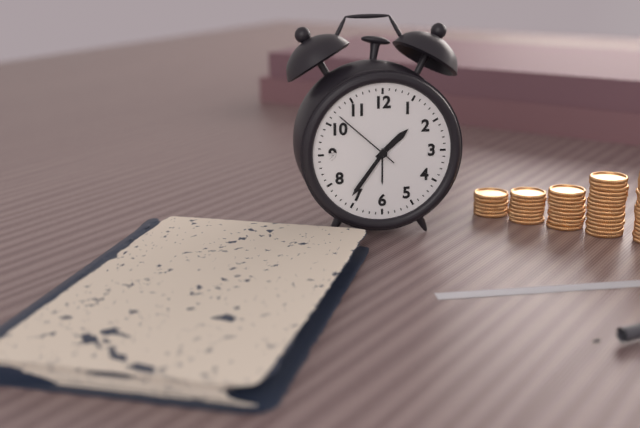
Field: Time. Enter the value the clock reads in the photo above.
1:36:52
